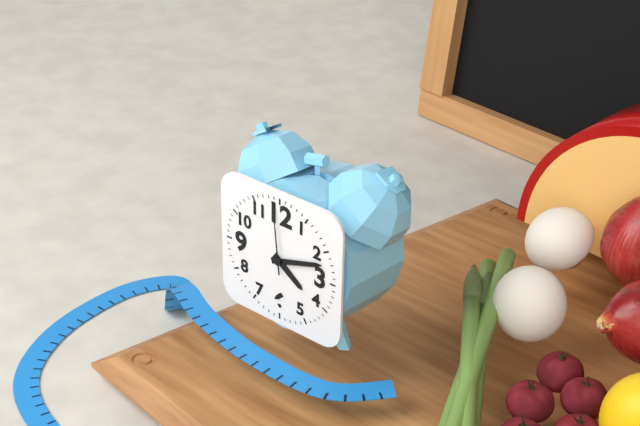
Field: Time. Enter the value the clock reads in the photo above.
4:12:59
